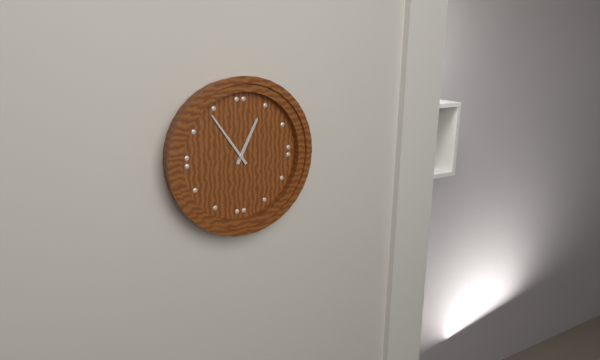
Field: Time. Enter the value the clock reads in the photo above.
12:54
